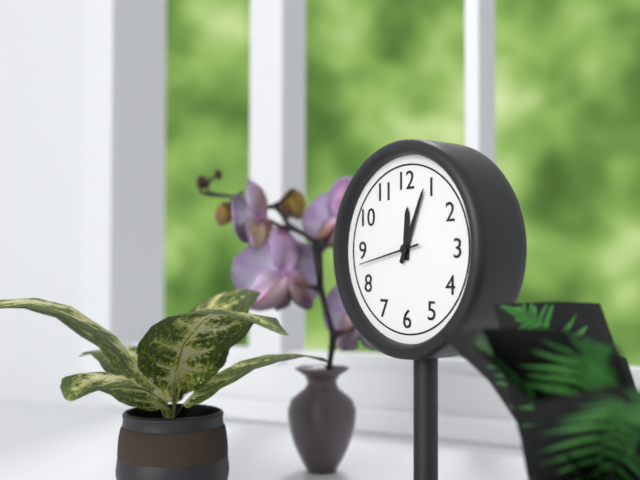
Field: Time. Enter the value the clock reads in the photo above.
12:04:43
